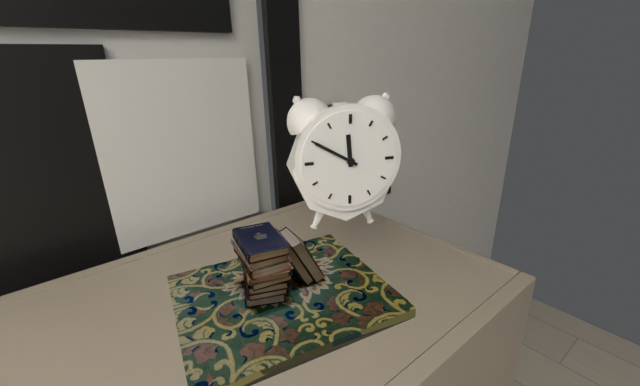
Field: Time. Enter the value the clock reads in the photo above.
11:50
